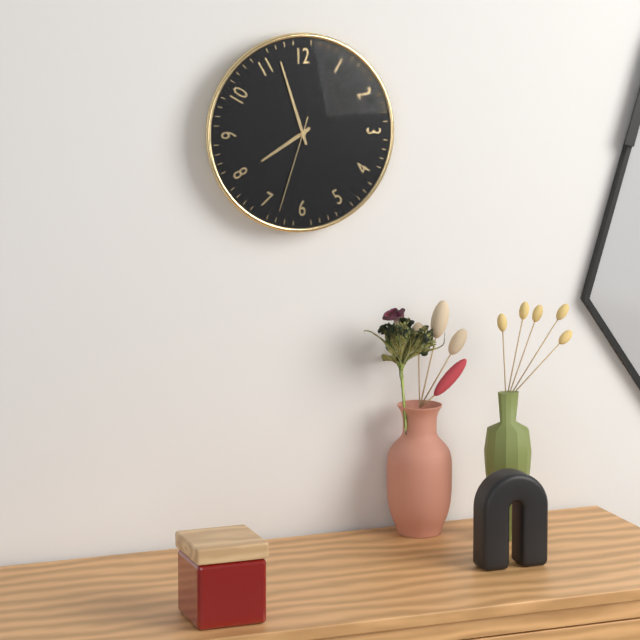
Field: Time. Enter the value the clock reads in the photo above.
7:57:33
